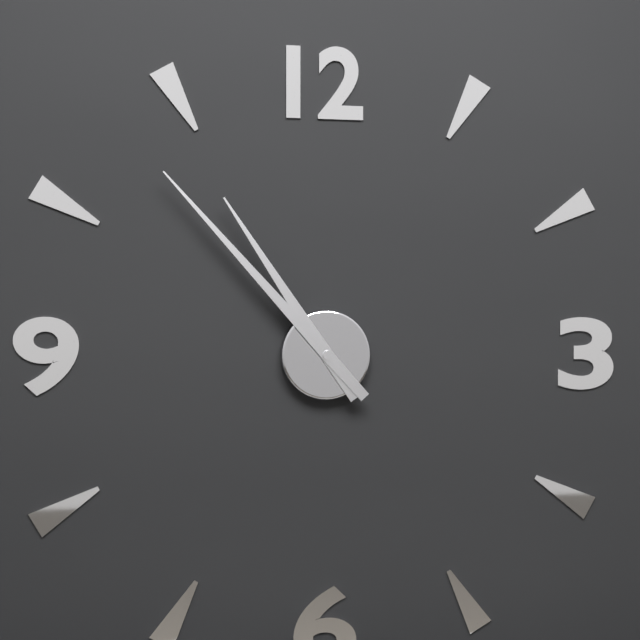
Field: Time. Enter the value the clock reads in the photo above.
10:53
